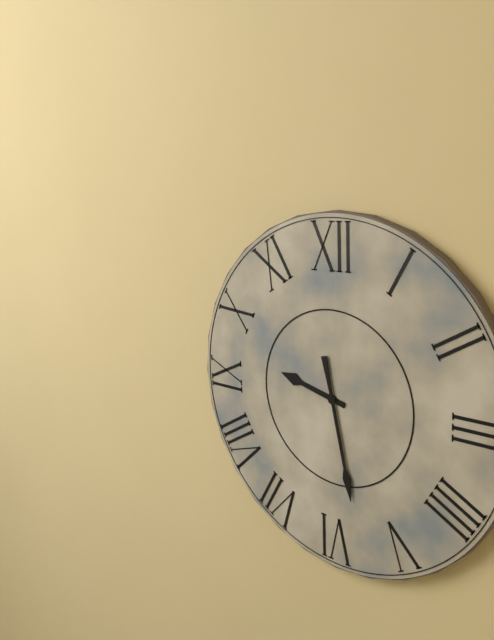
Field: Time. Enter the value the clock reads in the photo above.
9:28
